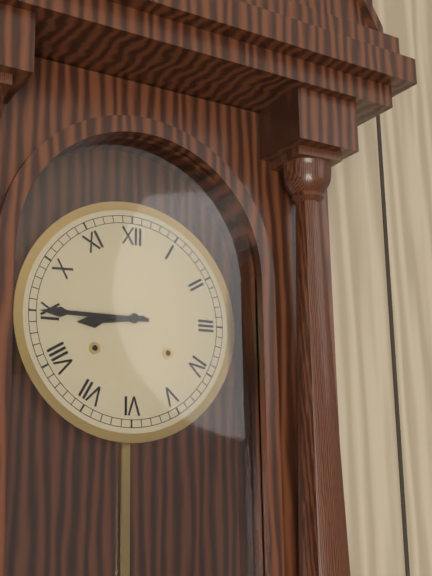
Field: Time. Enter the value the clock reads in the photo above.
8:45
